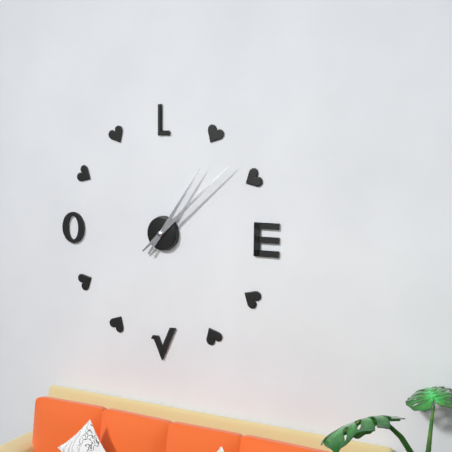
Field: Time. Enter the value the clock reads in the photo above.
1:08
